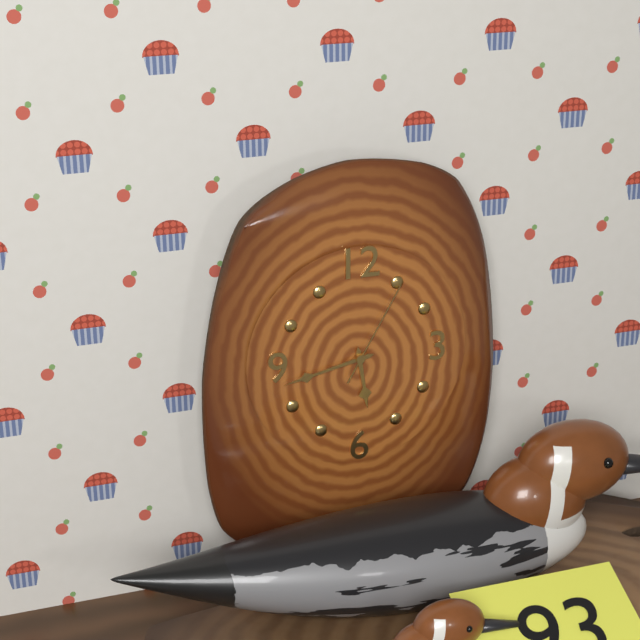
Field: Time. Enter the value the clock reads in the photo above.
5:43:05
